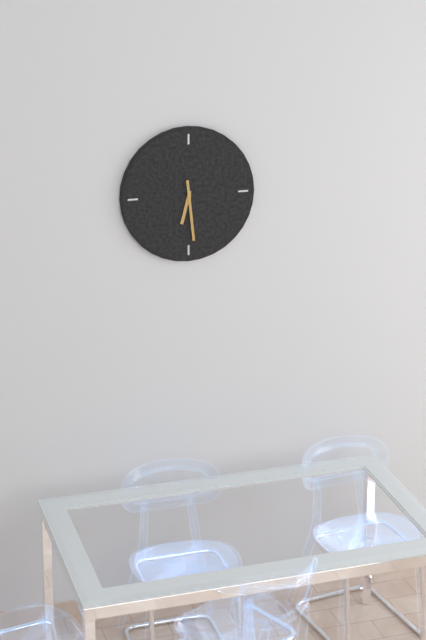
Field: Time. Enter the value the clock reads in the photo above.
6:29
